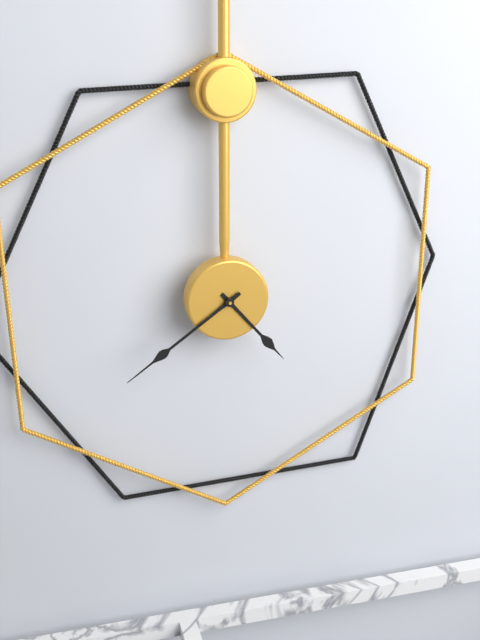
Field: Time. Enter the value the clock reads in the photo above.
4:39
